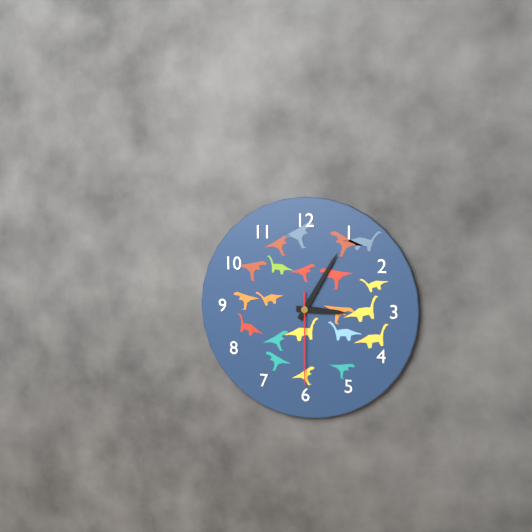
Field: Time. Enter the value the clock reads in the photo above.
3:05:30
